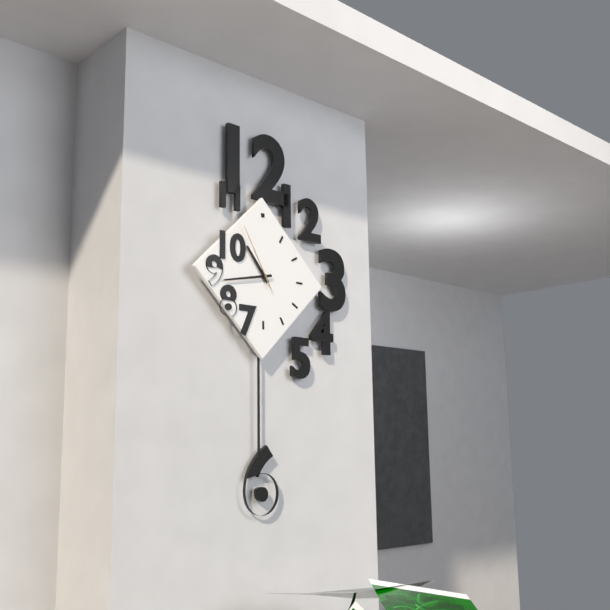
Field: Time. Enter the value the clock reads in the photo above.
10:43:55
